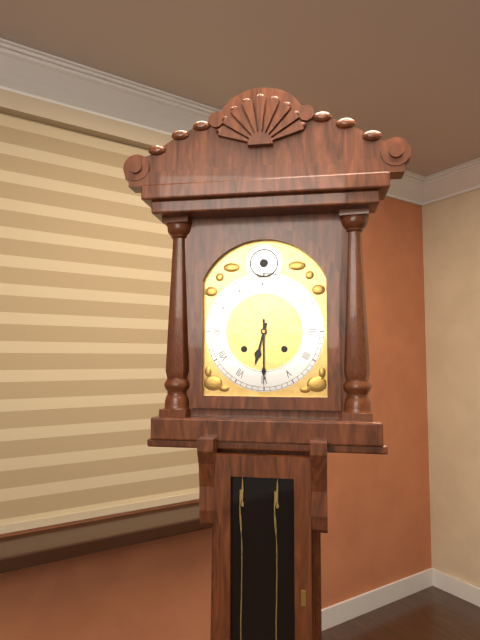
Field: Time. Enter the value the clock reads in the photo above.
6:30
